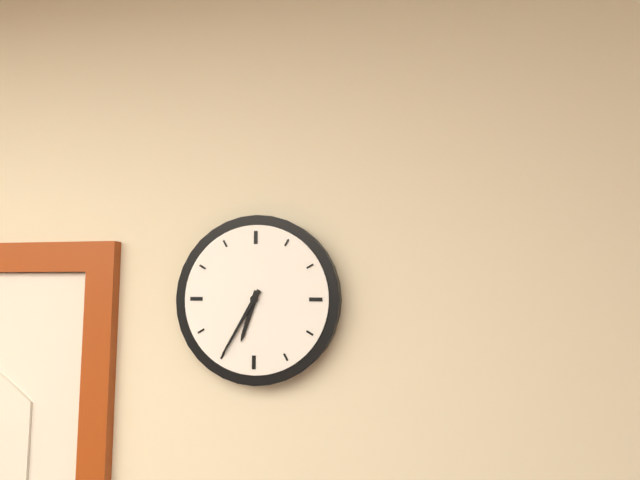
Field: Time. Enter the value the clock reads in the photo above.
6:35
